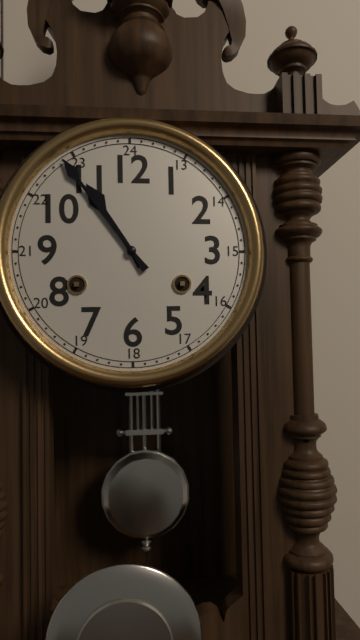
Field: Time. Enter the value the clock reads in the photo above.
10:54
